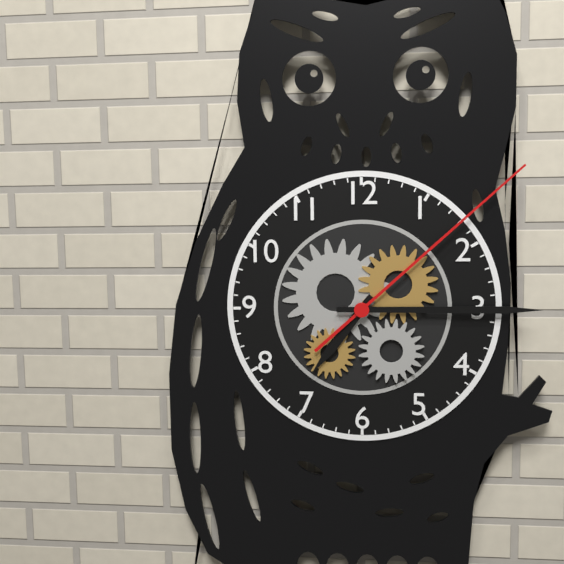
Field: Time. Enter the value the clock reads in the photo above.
7:15:08
